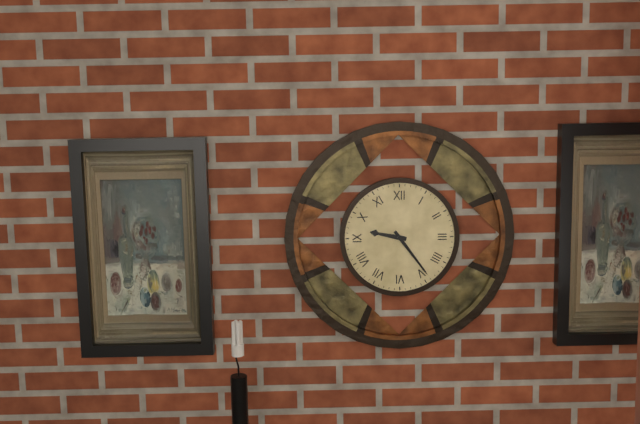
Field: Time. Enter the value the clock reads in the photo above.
9:24
